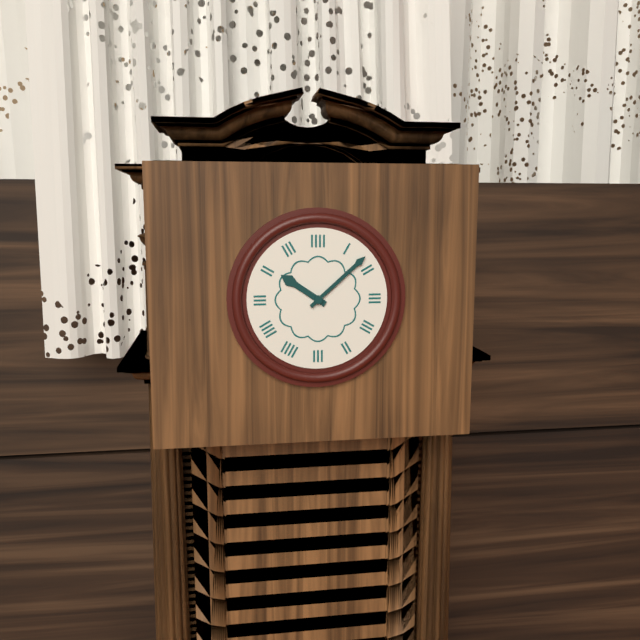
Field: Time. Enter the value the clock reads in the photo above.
10:08
